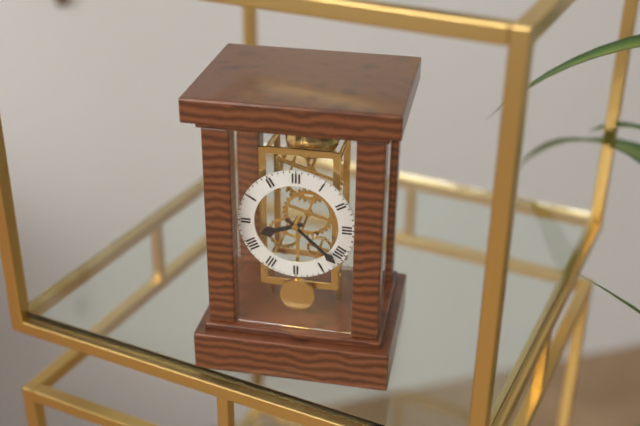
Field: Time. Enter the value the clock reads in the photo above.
8:22
